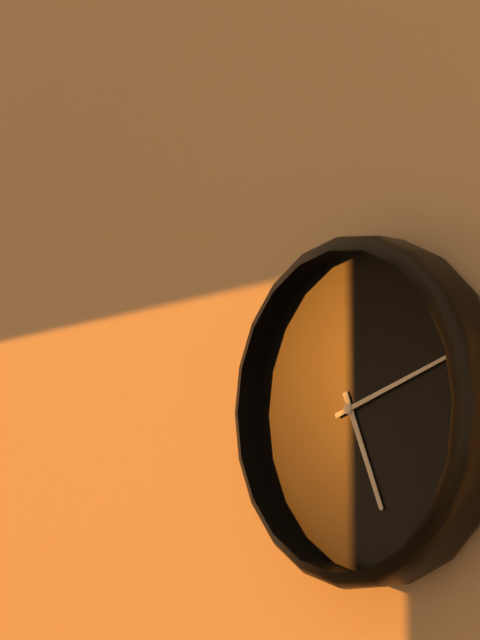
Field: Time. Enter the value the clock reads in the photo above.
5:12
